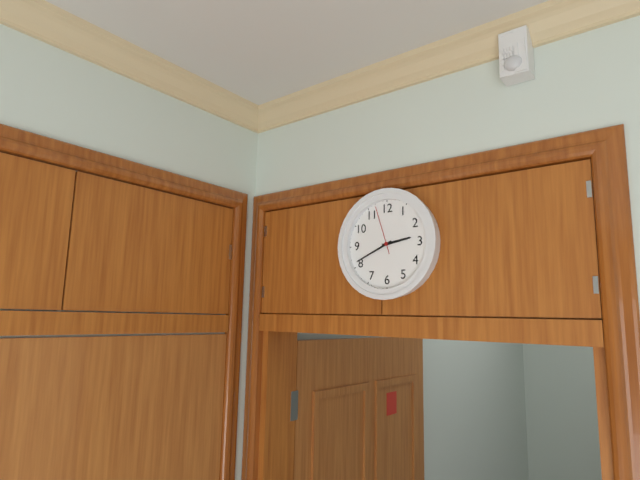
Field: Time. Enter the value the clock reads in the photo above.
2:41
